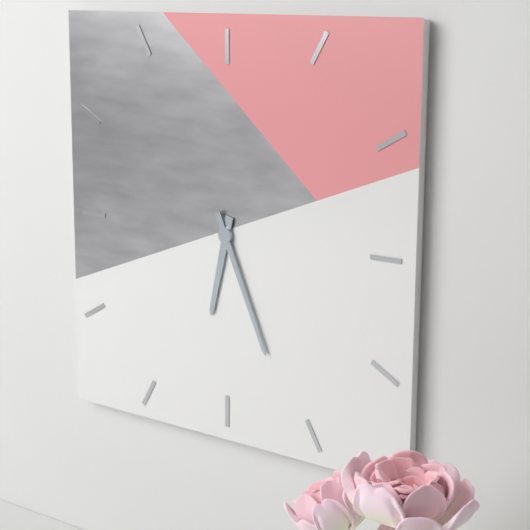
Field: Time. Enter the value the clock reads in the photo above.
6:26
